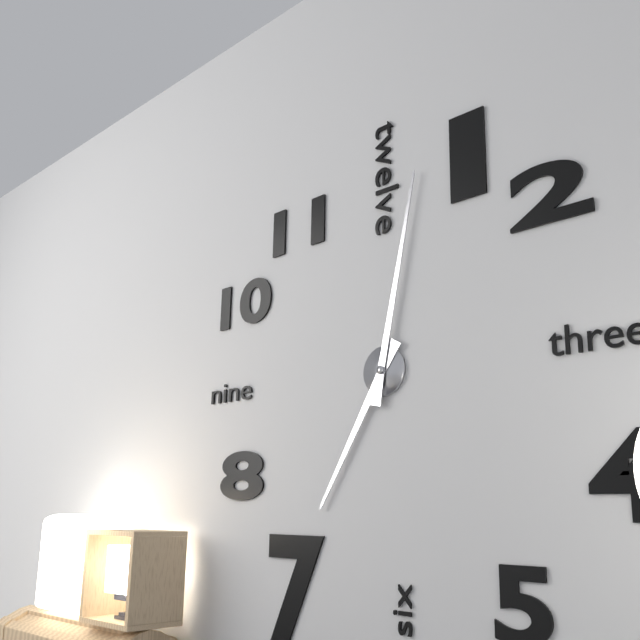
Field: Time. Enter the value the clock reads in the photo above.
7:02
